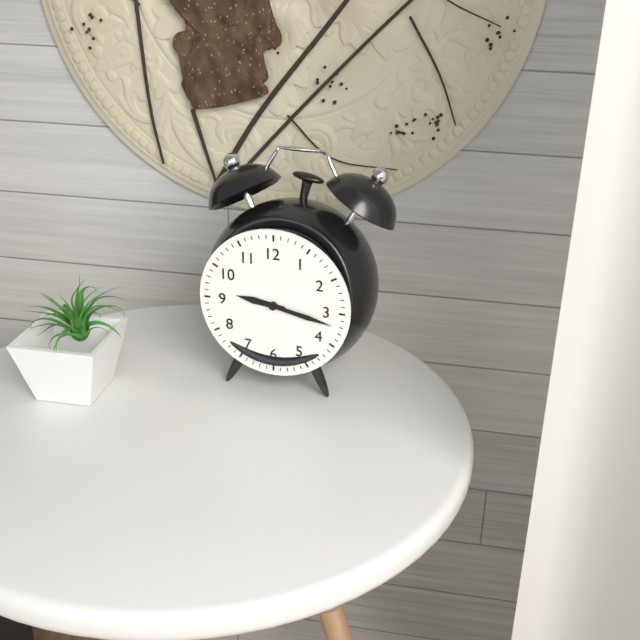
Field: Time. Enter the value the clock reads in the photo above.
9:17
